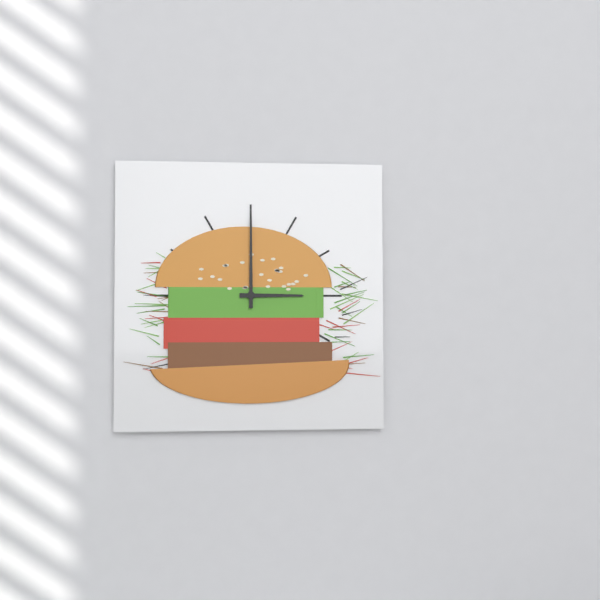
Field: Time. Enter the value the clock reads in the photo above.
3:00
